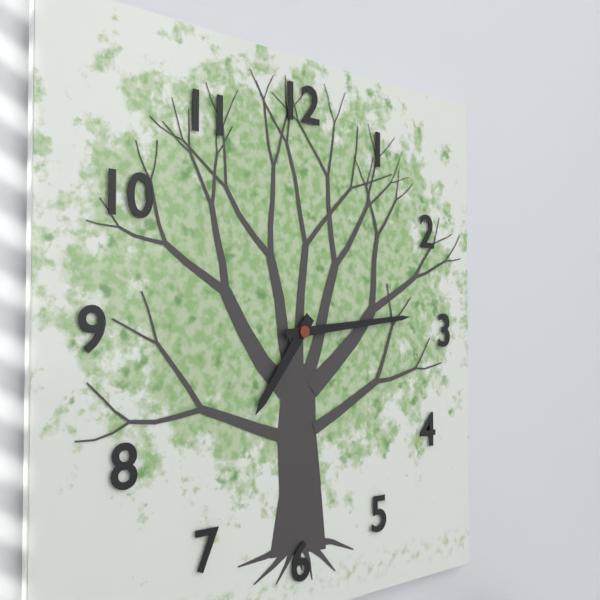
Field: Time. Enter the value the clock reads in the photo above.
7:14
